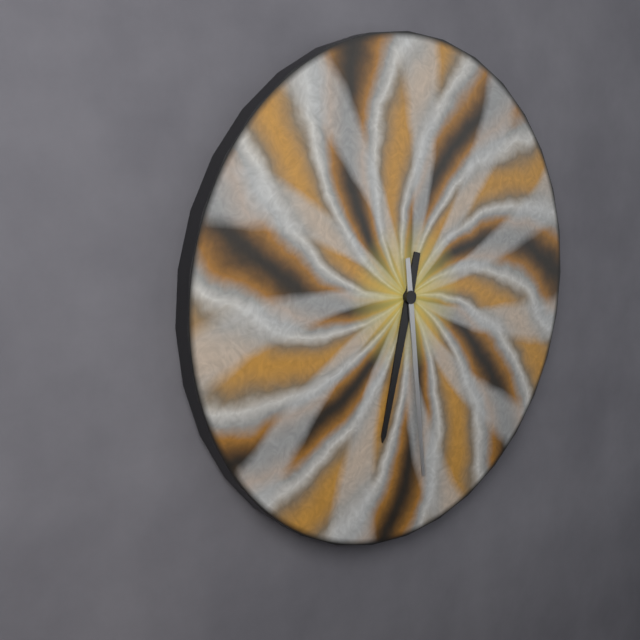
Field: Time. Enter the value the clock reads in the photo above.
6:29
